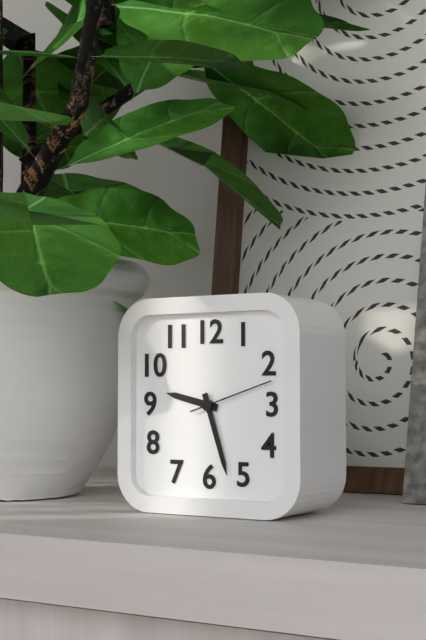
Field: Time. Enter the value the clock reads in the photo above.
9:27:12
